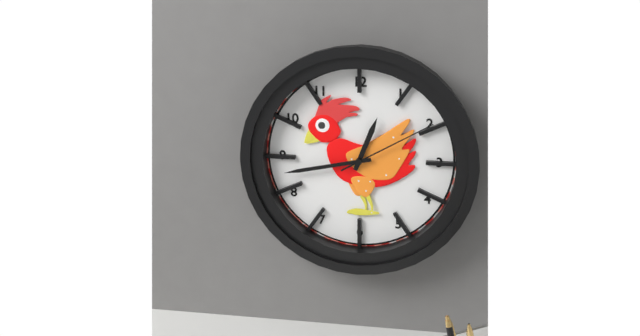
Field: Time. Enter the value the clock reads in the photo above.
12:43:10
